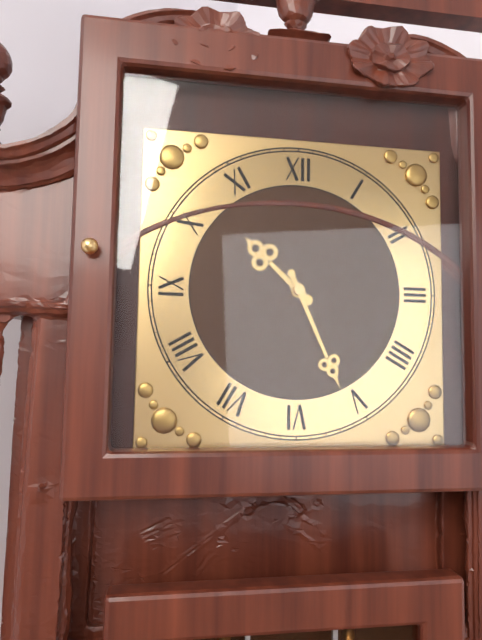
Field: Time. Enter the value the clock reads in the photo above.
10:26
